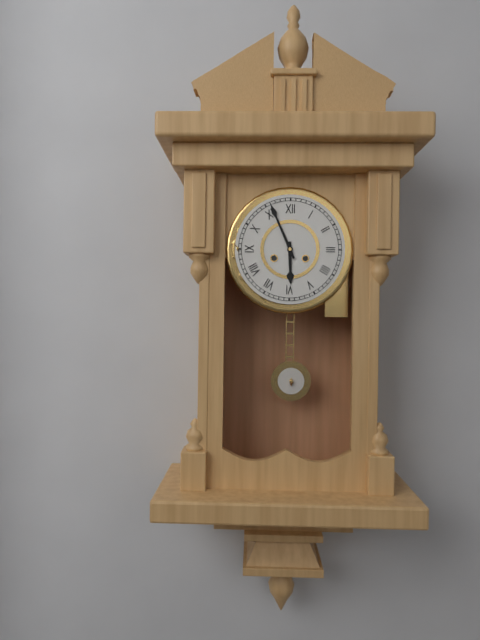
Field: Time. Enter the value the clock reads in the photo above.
5:56
